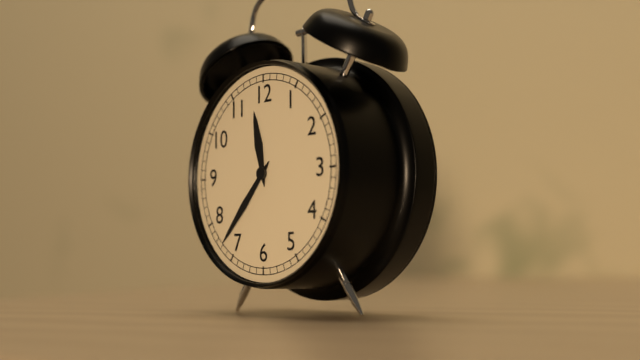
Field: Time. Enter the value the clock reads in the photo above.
11:37
